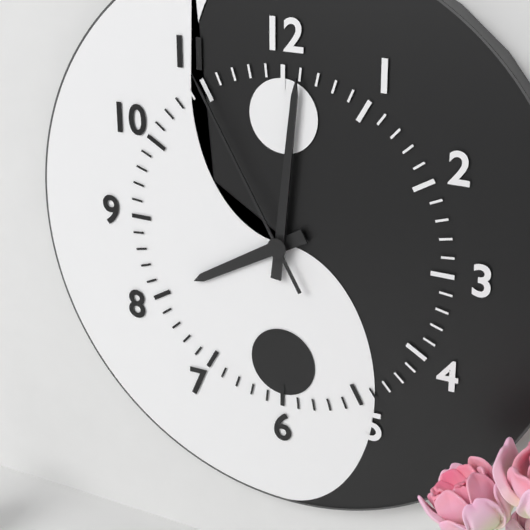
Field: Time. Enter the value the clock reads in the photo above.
8:01:55
